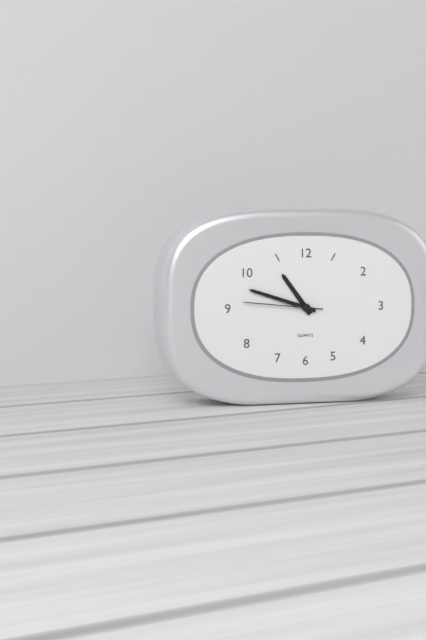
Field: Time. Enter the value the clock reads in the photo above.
10:48:46
